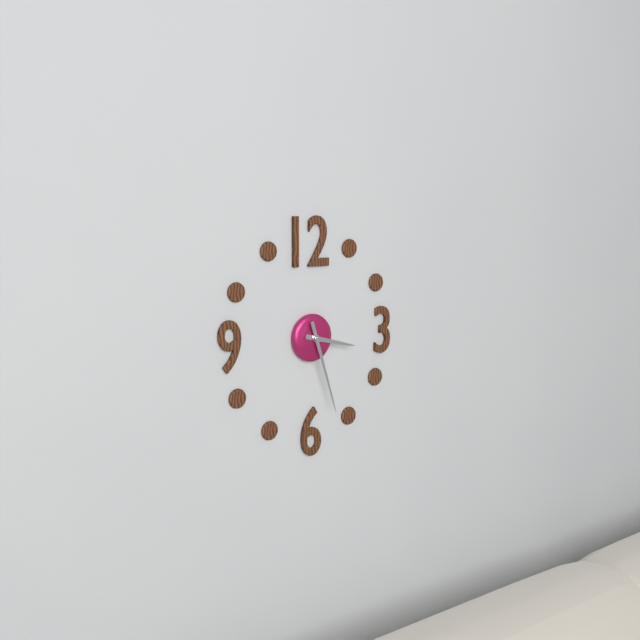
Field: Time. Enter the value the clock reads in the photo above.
3:27
